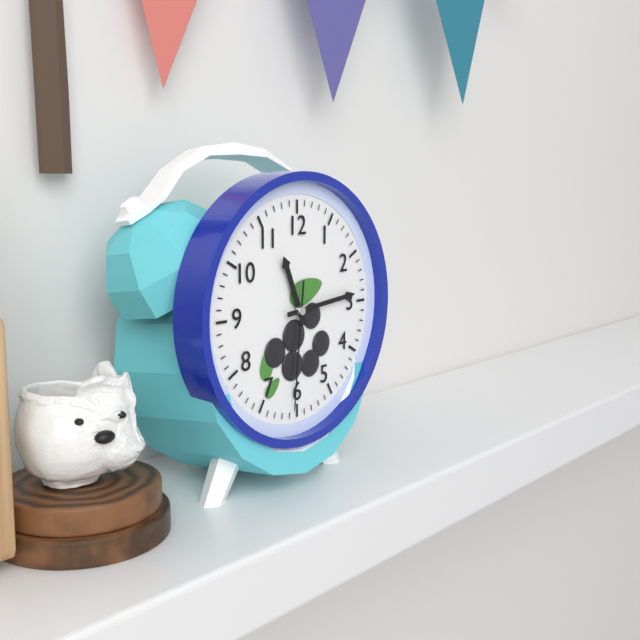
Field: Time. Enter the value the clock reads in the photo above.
11:14:31
